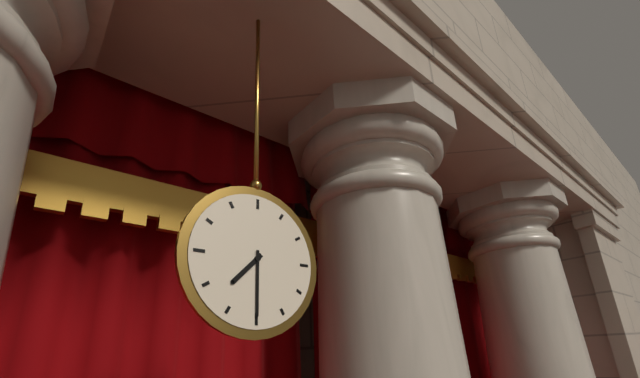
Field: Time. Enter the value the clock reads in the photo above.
7:30
